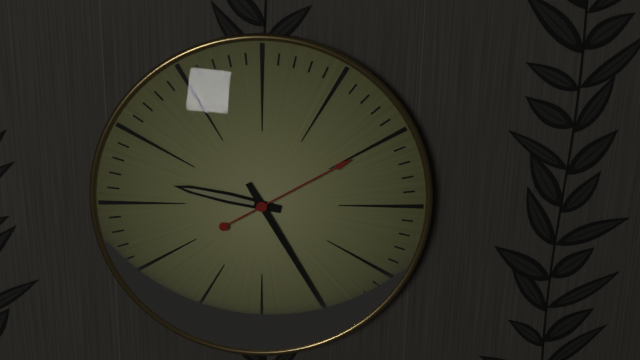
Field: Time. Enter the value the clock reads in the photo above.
9:25:10
